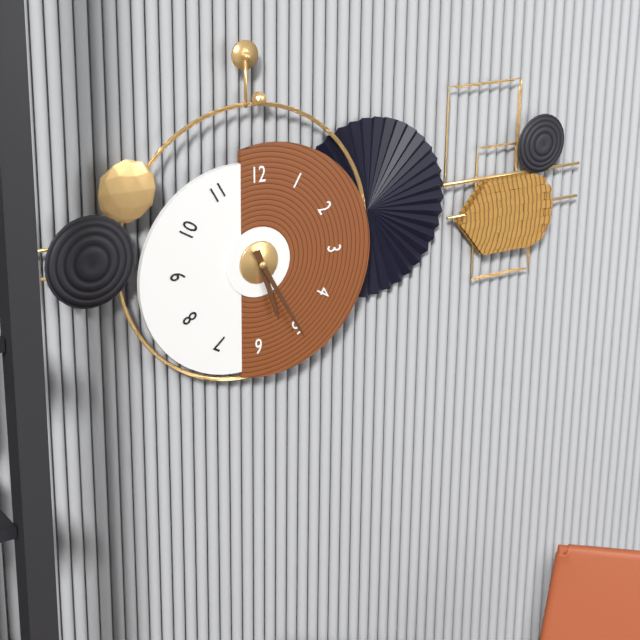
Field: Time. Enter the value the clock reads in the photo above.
5:25
